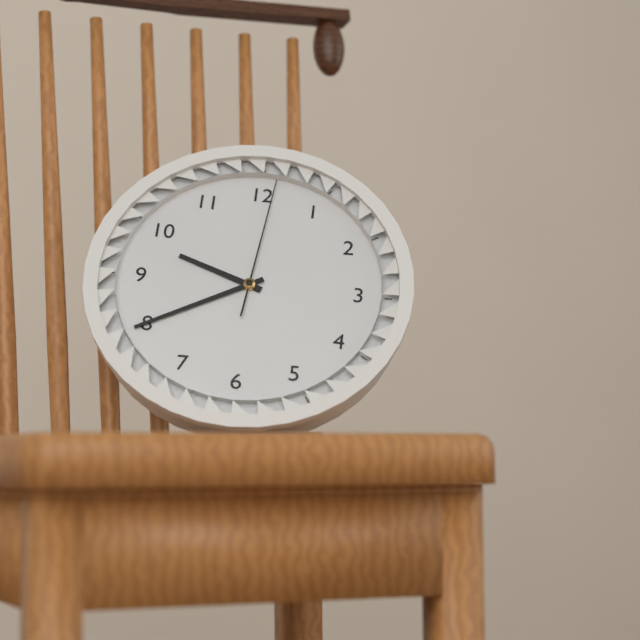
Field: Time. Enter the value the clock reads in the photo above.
9:40:01
